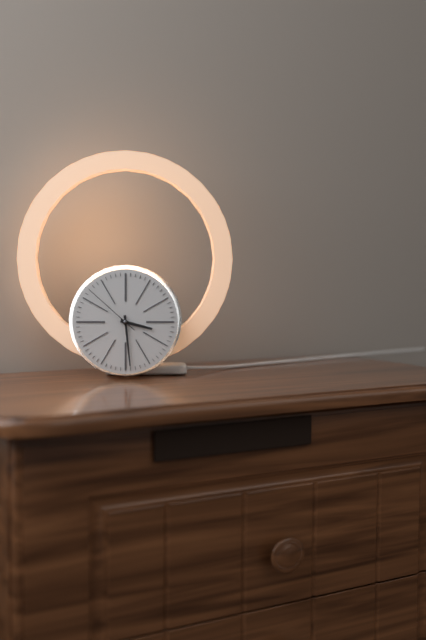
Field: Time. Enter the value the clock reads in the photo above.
3:29:52
